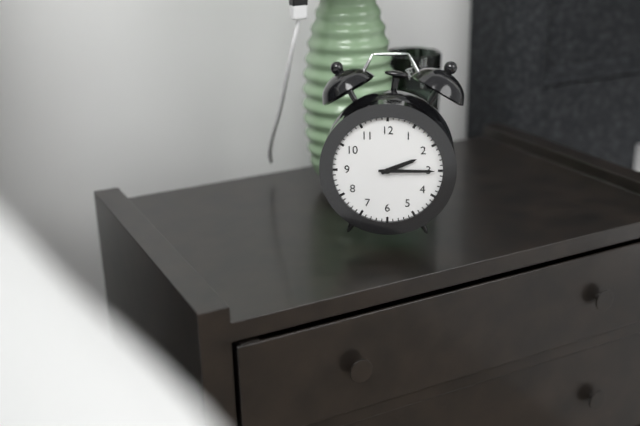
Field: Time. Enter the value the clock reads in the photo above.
2:15
